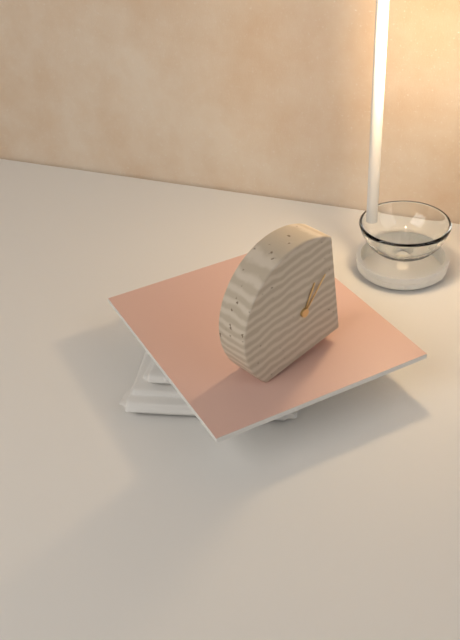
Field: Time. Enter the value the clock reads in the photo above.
1:08
